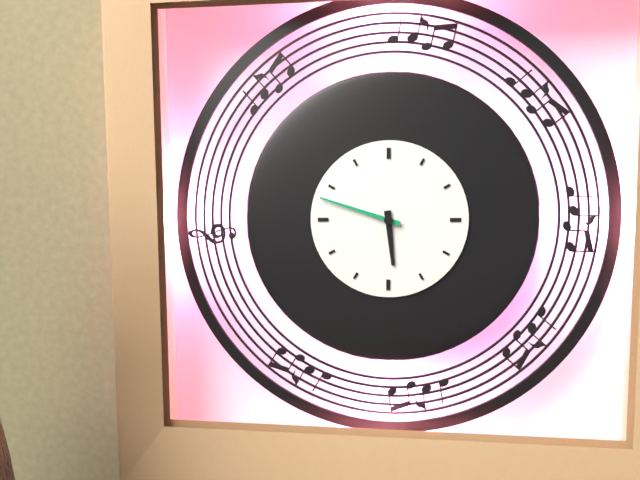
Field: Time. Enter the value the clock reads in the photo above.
5:48
